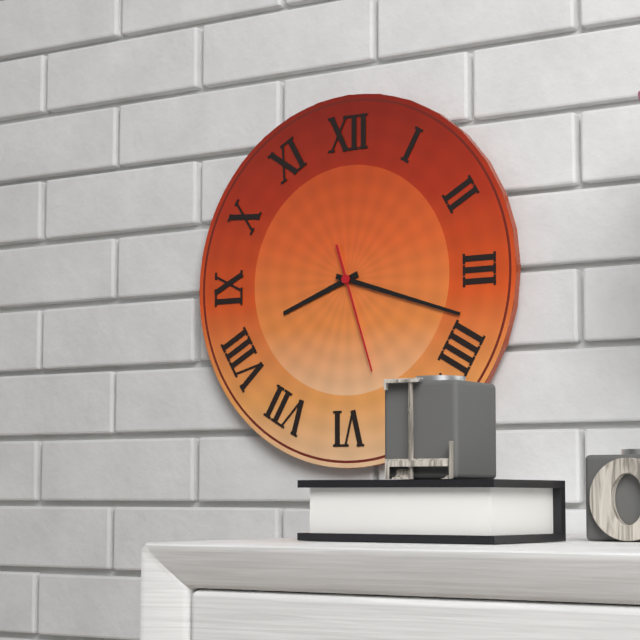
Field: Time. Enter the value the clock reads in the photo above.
8:18:27
